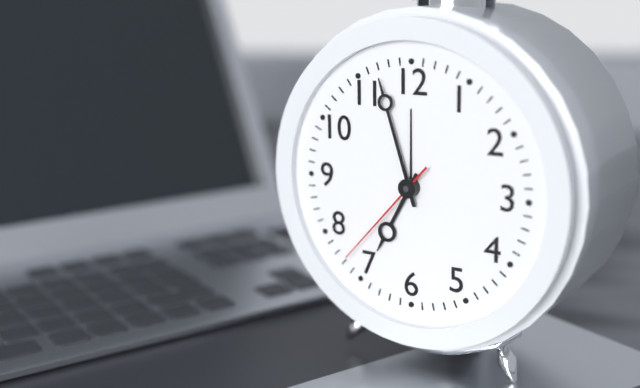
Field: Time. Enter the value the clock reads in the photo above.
6:57:37
